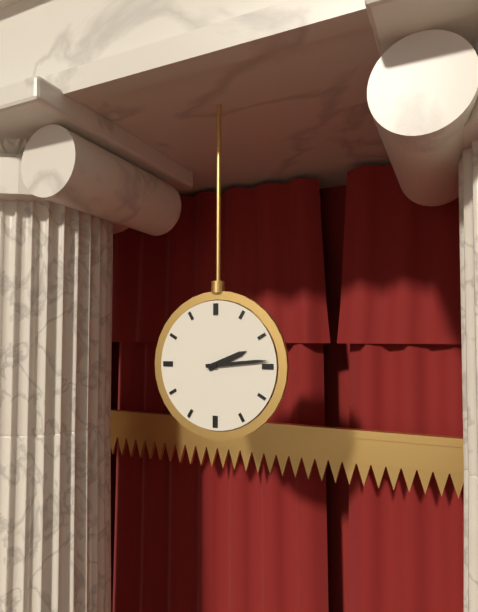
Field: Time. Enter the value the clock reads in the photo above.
2:14
